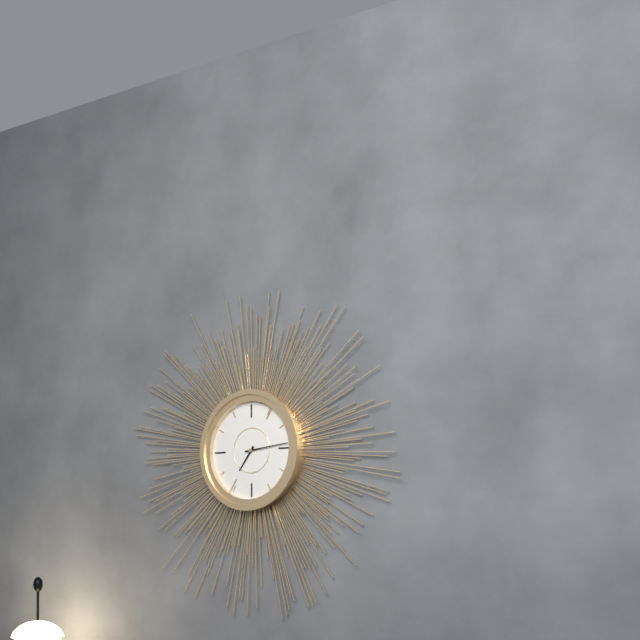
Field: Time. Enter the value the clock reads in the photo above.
7:14
